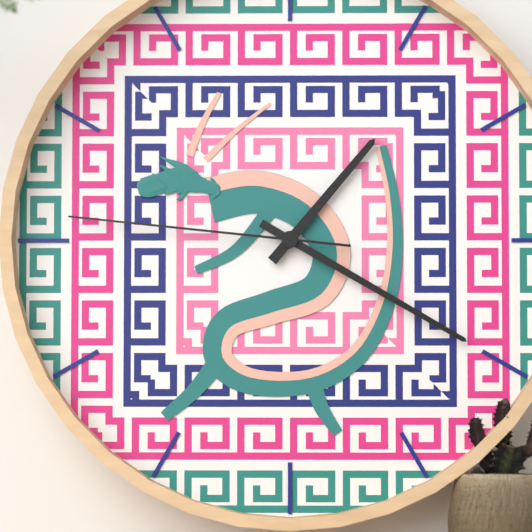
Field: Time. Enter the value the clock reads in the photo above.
1:20:46
